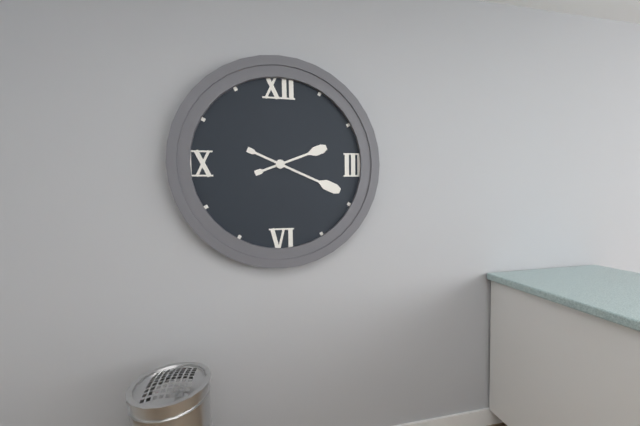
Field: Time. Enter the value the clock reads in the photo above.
2:19
